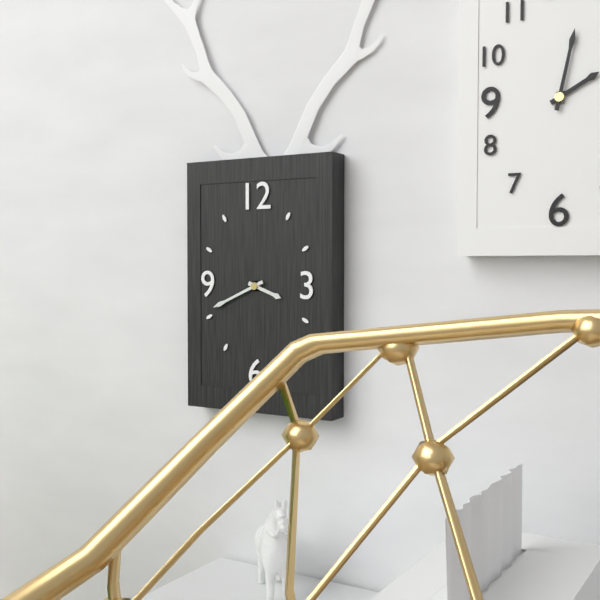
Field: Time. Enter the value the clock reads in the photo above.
3:41
